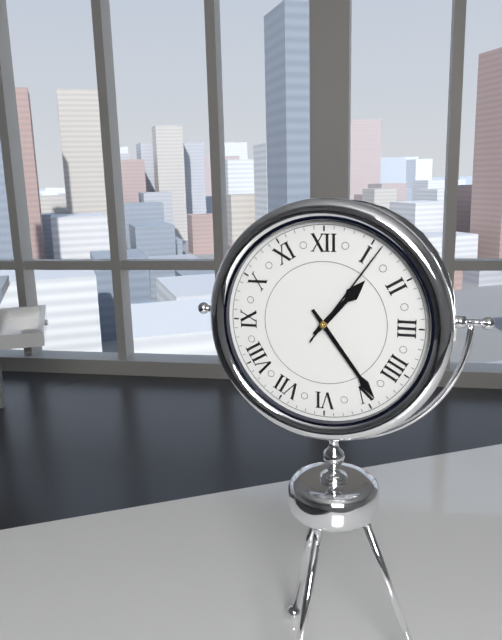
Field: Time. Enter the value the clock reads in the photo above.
1:24:06
